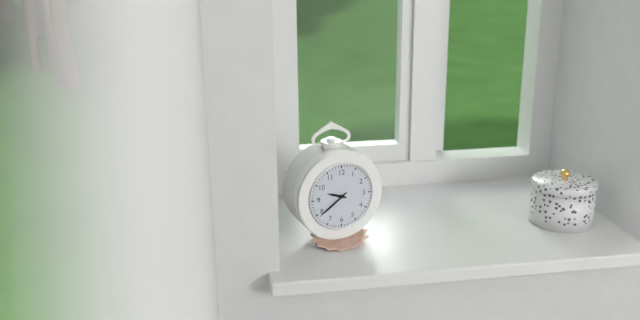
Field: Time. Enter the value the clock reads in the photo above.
9:39
